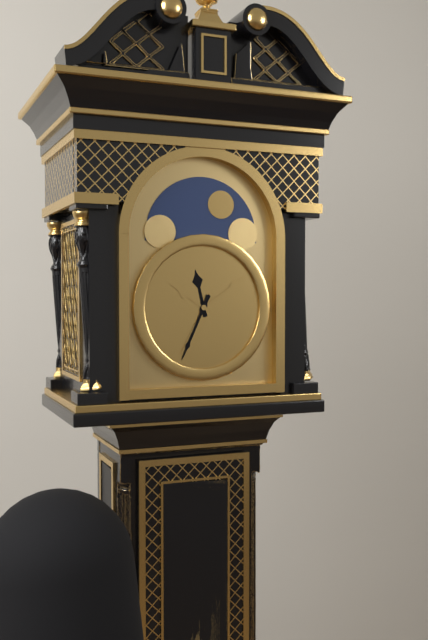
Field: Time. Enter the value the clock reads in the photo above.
11:34
